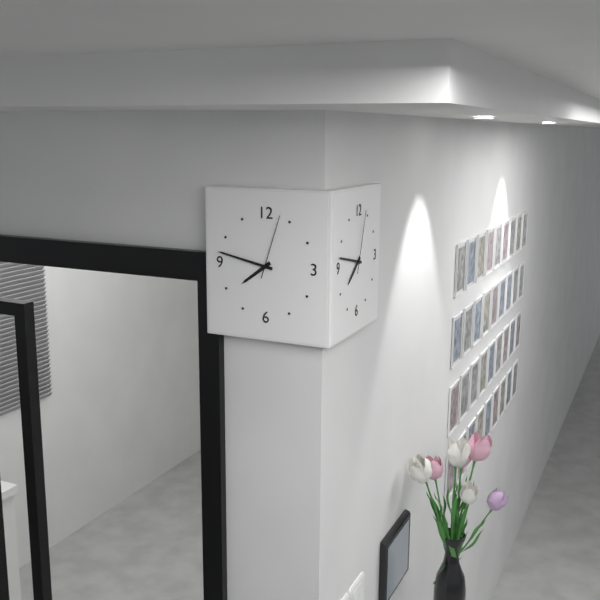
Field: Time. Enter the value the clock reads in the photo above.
7:47:03
